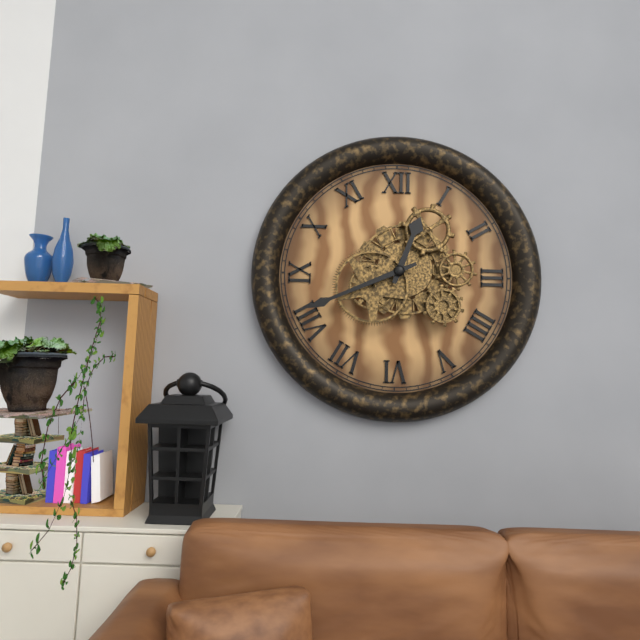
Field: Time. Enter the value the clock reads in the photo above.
12:41
